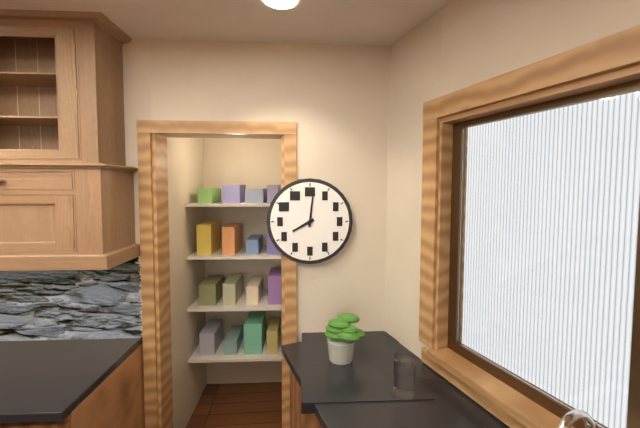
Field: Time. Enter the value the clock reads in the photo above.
8:01
